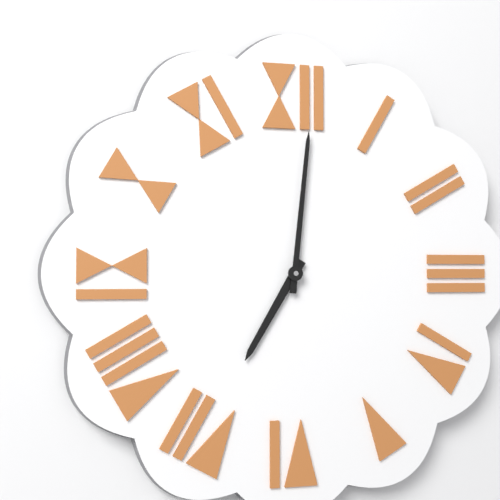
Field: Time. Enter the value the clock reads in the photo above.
7:01
